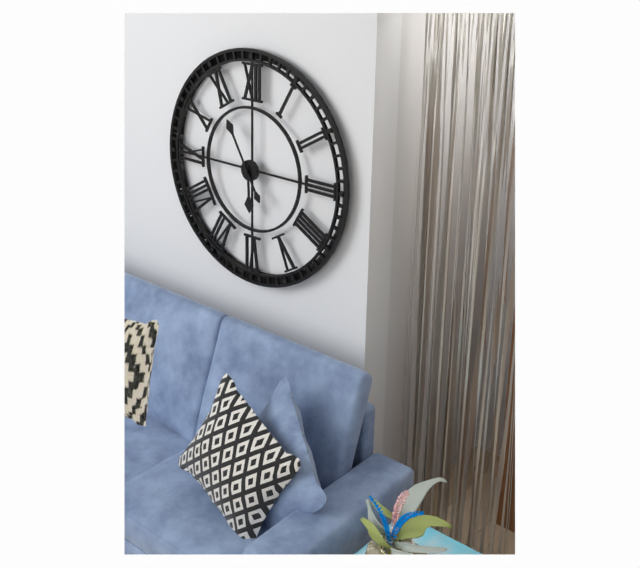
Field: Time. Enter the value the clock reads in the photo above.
5:55
